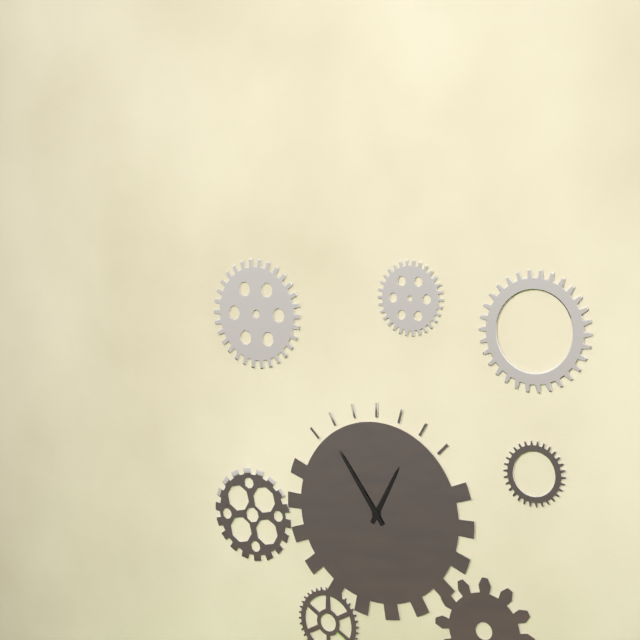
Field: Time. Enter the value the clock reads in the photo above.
12:54
